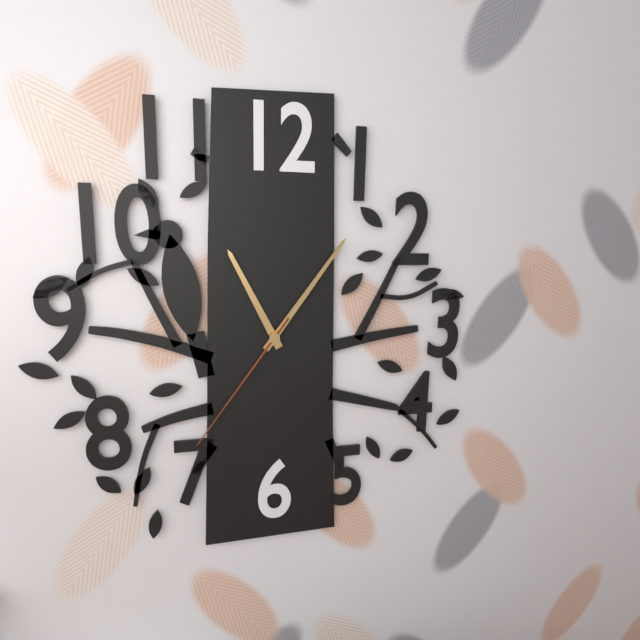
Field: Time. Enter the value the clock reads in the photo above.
11:06:36
